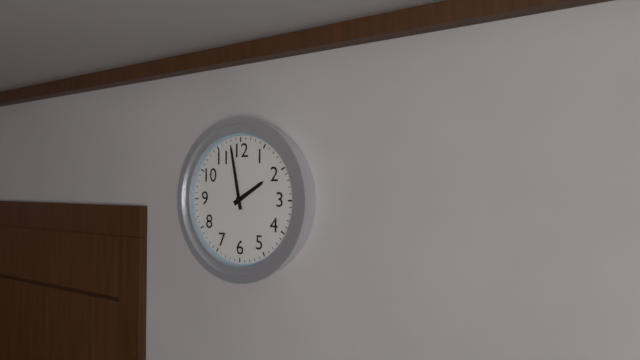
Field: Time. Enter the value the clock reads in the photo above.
1:58
